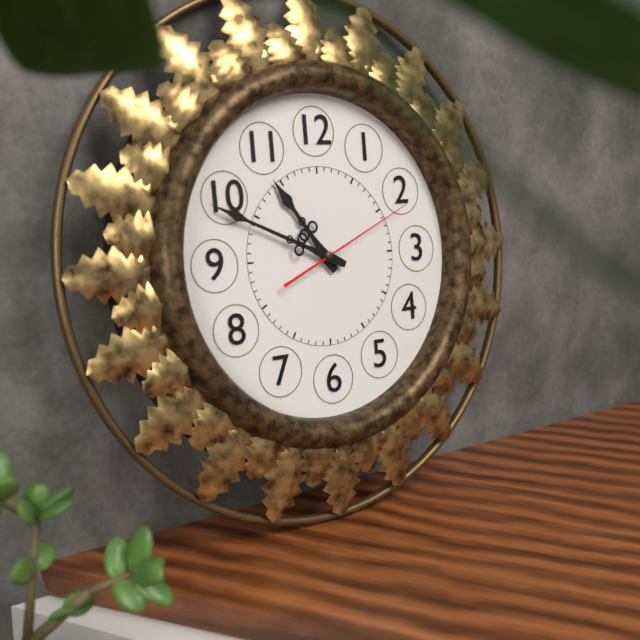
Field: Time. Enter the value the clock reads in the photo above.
10:49:11
